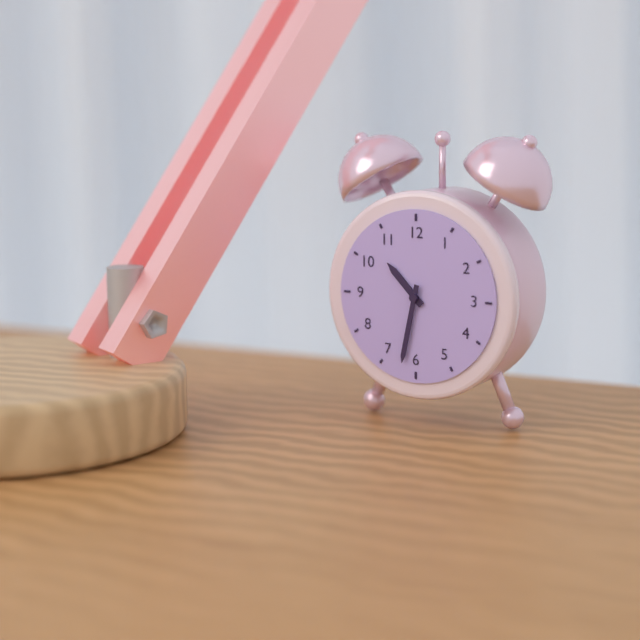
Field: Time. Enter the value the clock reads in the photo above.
10:32
